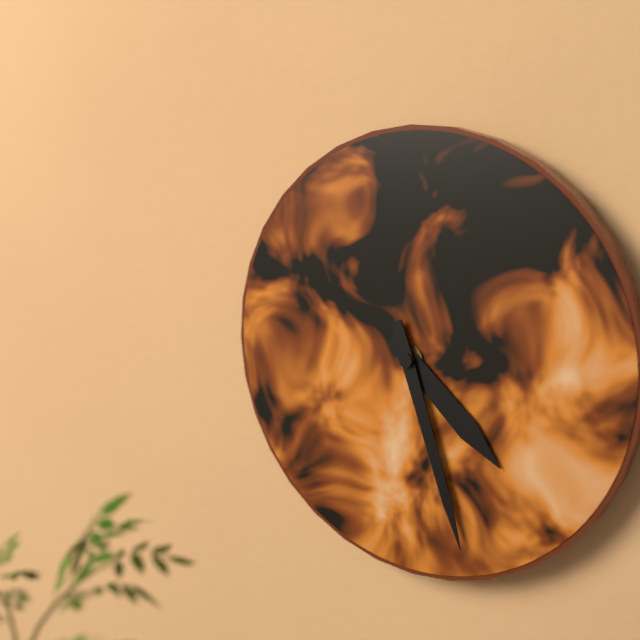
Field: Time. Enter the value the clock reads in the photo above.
4:27
